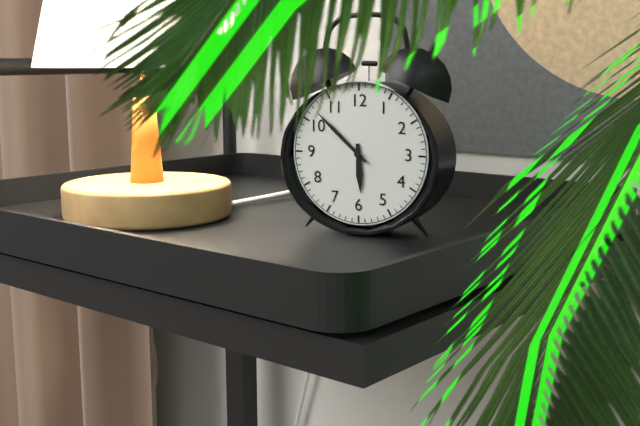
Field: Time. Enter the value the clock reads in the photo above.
5:52
